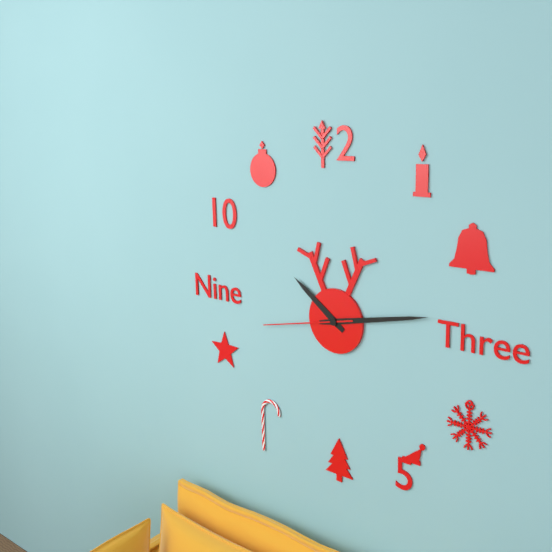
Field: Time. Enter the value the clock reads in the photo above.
10:13:43
